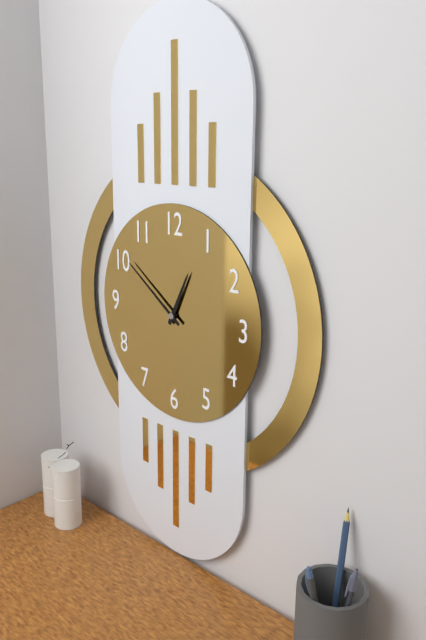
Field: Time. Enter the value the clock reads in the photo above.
12:51
